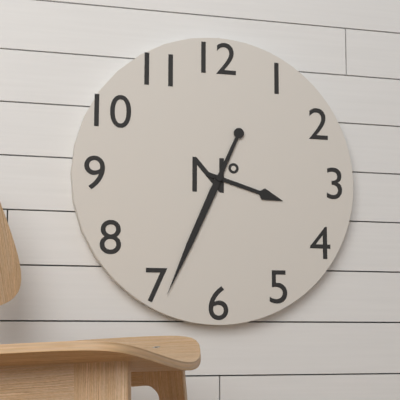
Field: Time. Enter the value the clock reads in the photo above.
3:34
